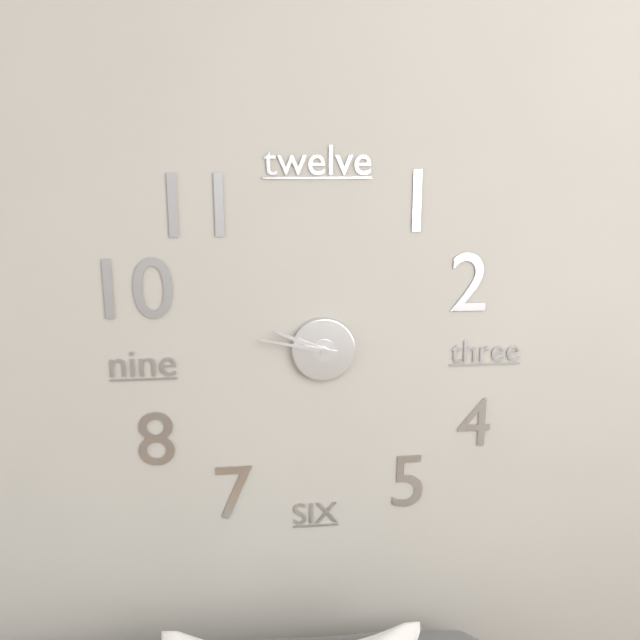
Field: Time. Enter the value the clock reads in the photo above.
9:47
